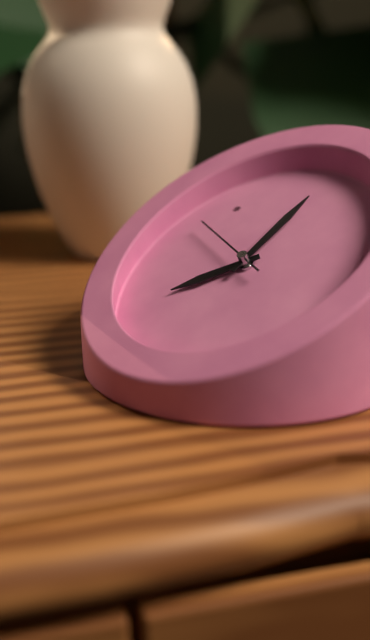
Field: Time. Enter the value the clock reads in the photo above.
10:15:03
